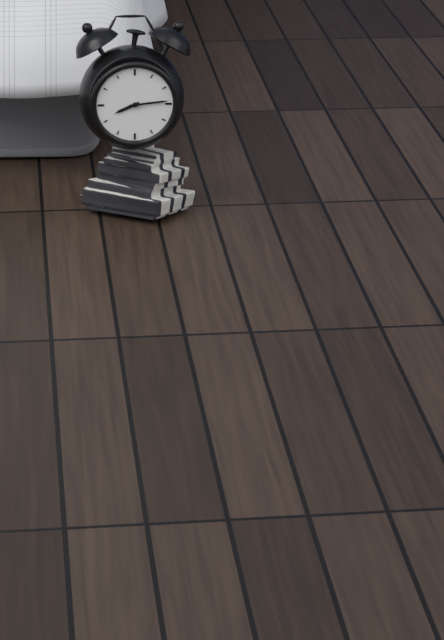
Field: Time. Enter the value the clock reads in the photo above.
8:14
